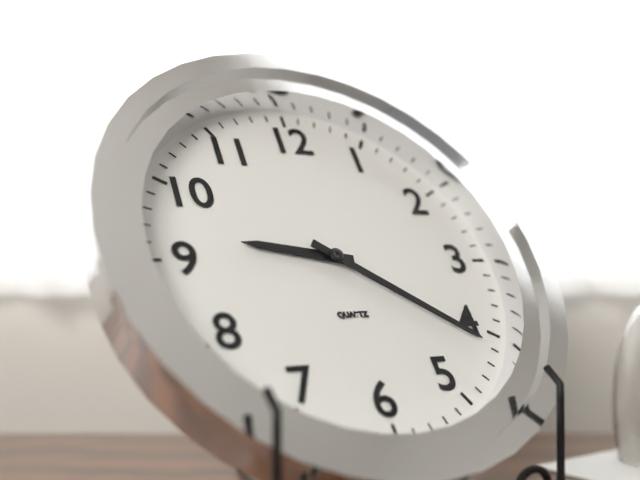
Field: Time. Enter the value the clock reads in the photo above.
9:21
